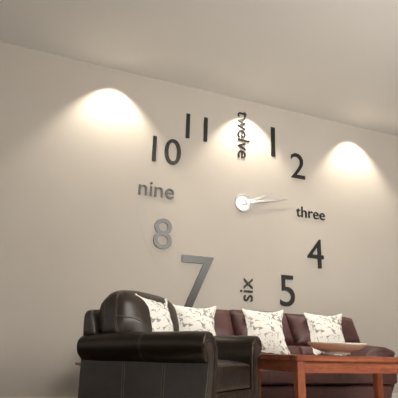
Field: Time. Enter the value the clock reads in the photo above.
2:13
